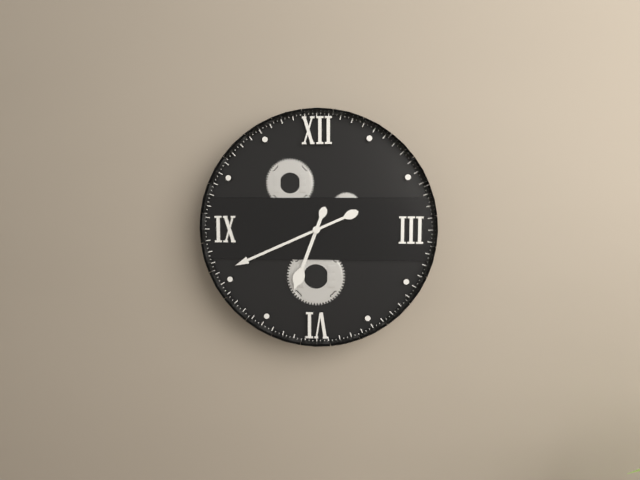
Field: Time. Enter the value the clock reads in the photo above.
6:41
